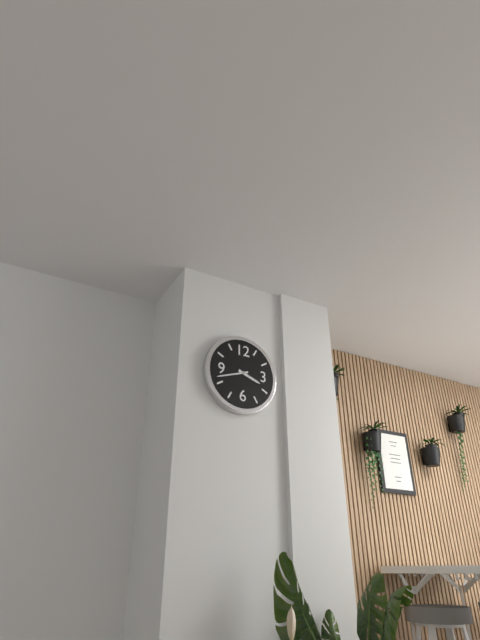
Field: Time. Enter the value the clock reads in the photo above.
3:42
